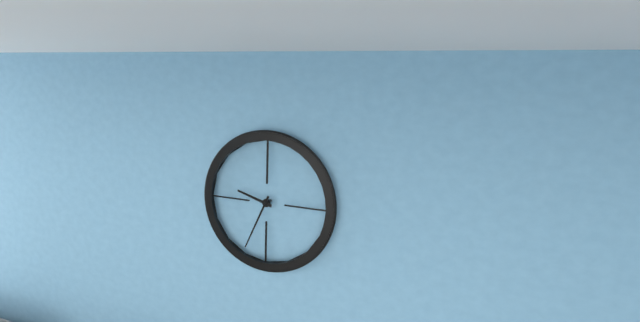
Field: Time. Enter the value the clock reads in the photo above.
9:34
